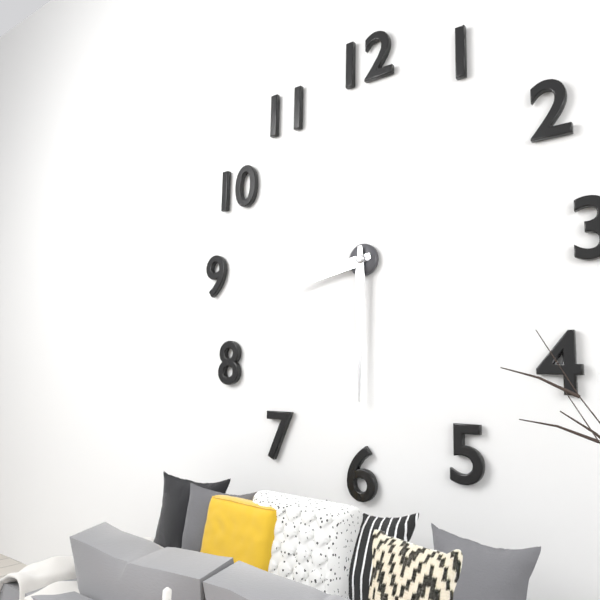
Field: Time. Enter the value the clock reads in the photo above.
8:30
